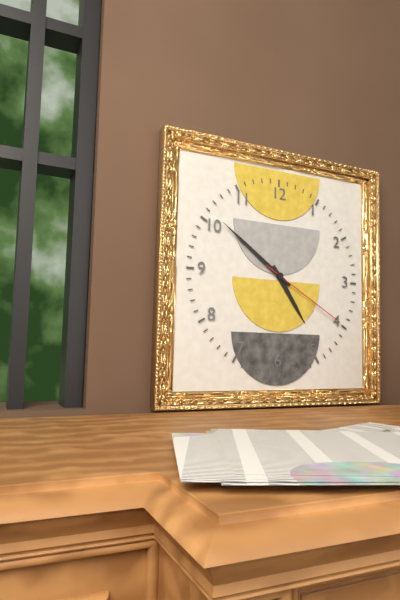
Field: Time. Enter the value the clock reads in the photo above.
4:51:20
